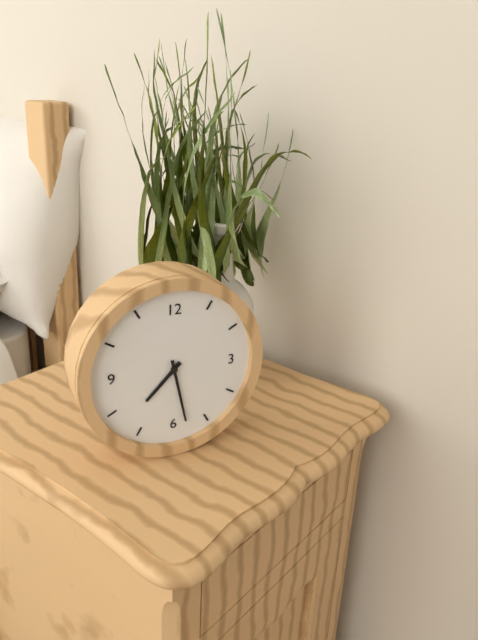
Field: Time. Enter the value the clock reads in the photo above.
7:28
